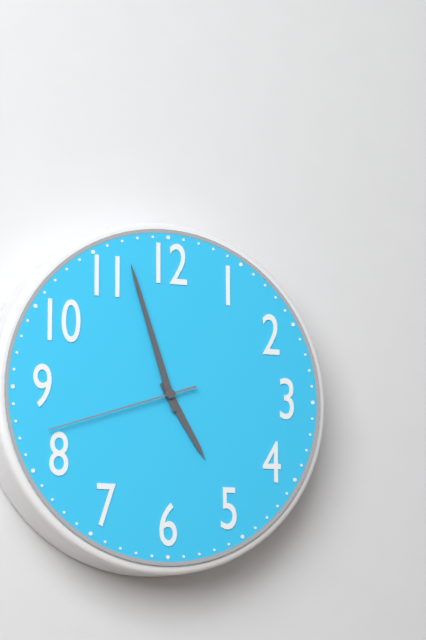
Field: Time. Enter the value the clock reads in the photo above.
4:57:42
